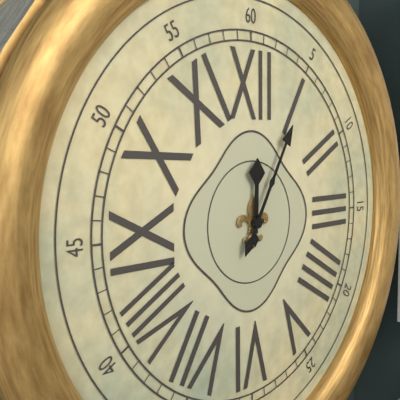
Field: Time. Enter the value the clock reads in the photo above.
12:05
